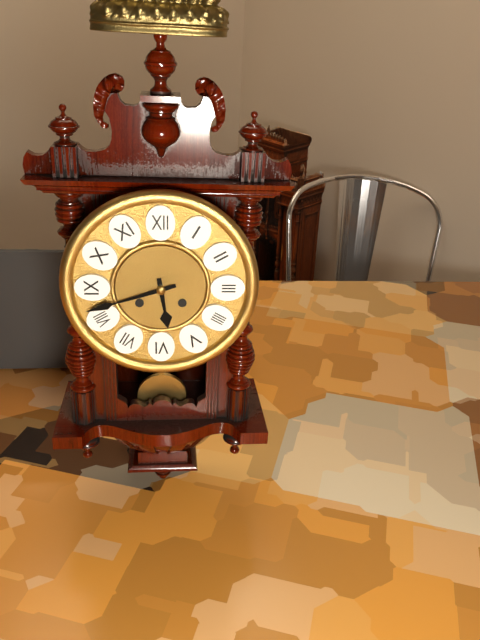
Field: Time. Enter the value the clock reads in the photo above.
5:42
